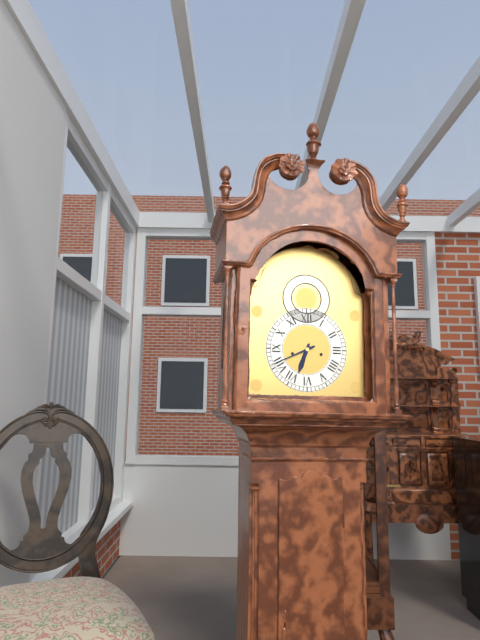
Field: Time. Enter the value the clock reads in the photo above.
6:41
